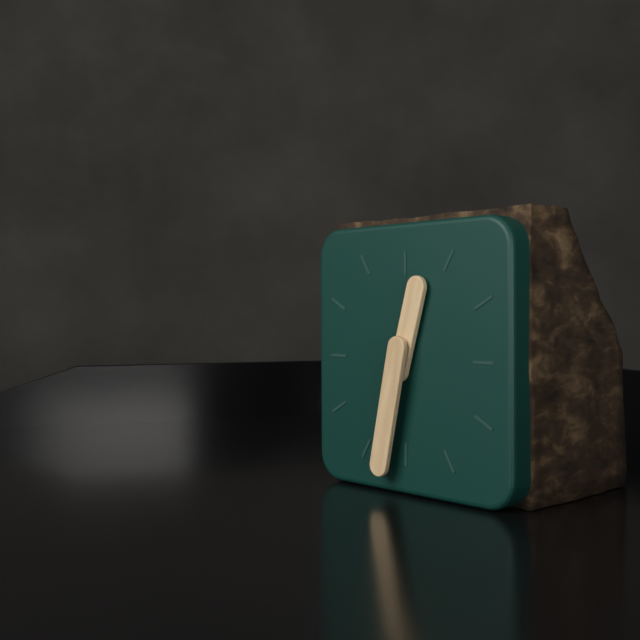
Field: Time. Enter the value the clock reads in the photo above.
12:32
